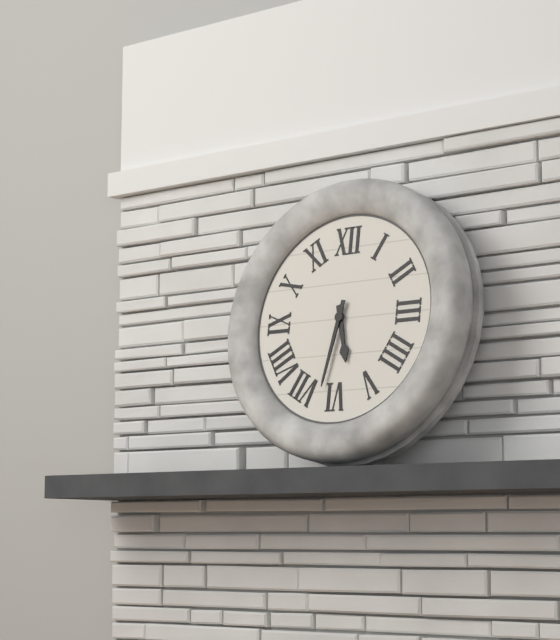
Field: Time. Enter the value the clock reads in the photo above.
5:32
